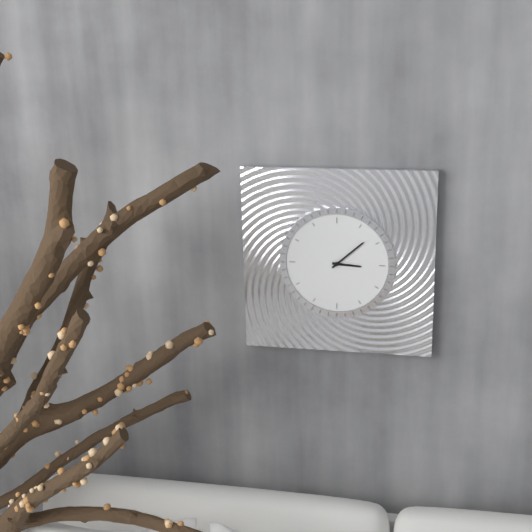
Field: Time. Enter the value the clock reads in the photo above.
3:08
